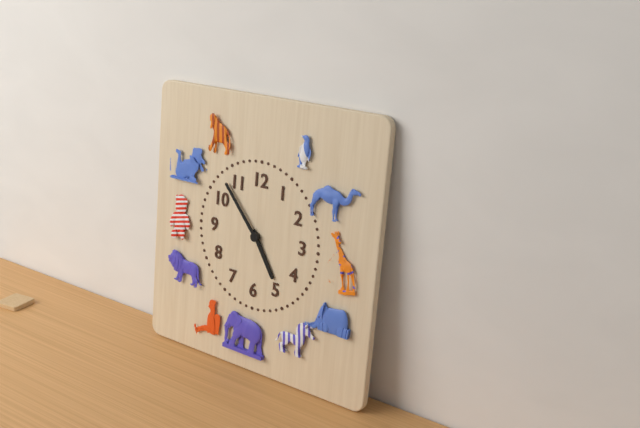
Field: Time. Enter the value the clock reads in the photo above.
4:53
